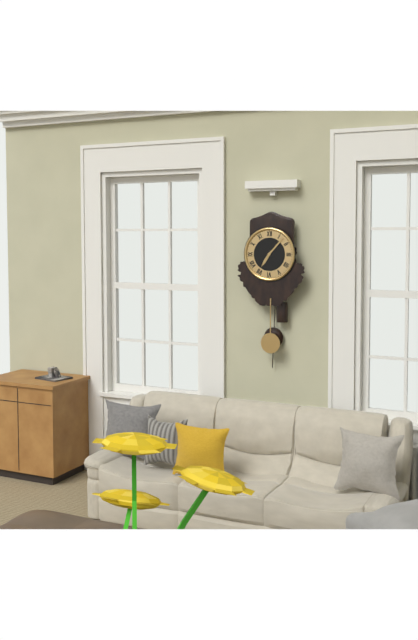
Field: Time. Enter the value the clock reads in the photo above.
7:07
